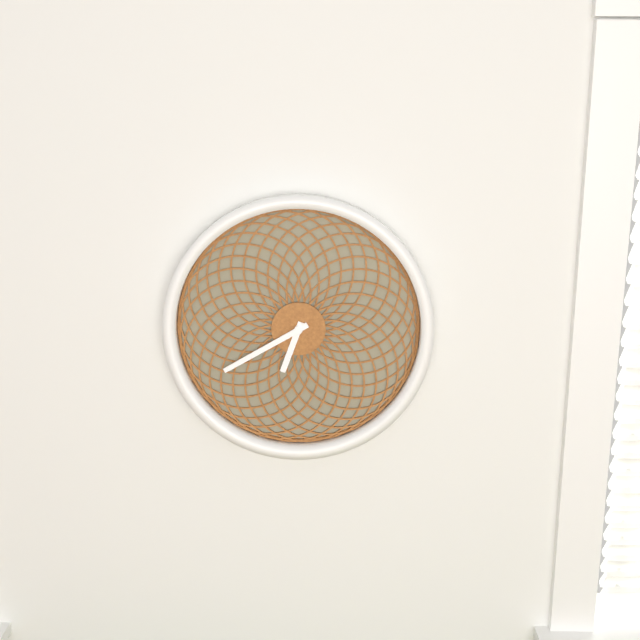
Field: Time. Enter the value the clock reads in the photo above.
6:40
